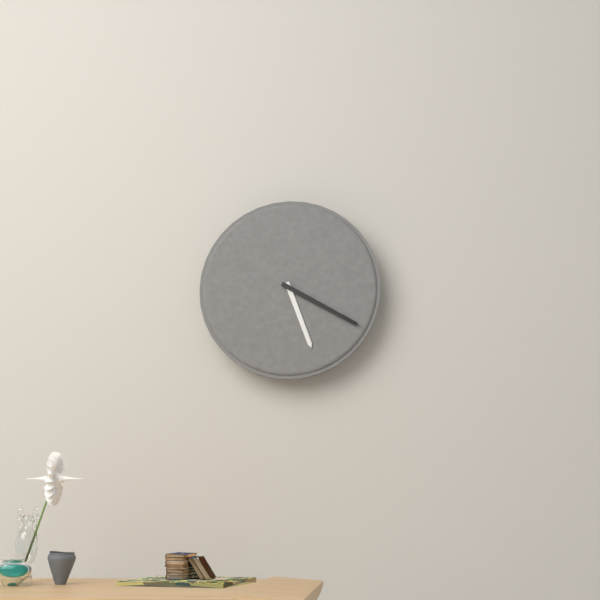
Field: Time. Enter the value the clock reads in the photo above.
5:20
